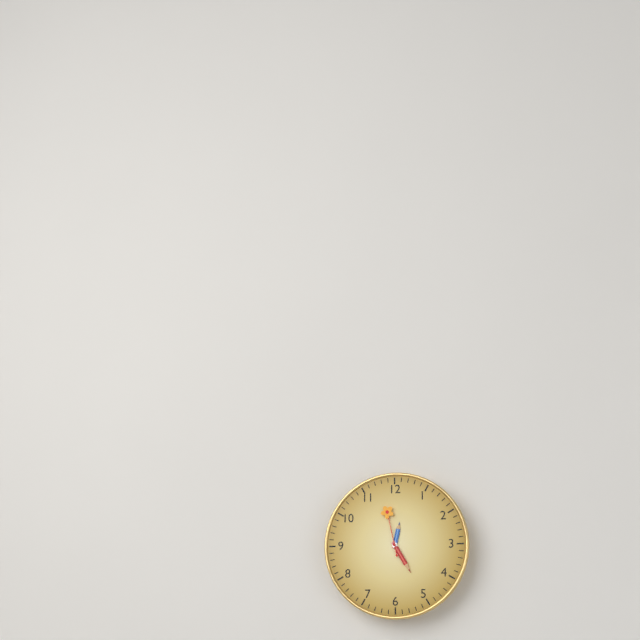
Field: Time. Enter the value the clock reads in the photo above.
12:25:58
